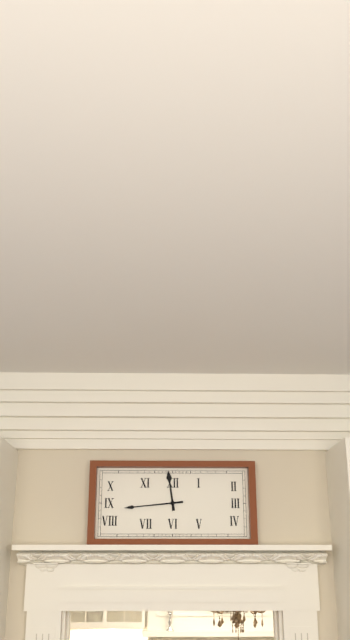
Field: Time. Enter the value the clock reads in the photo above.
11:44
